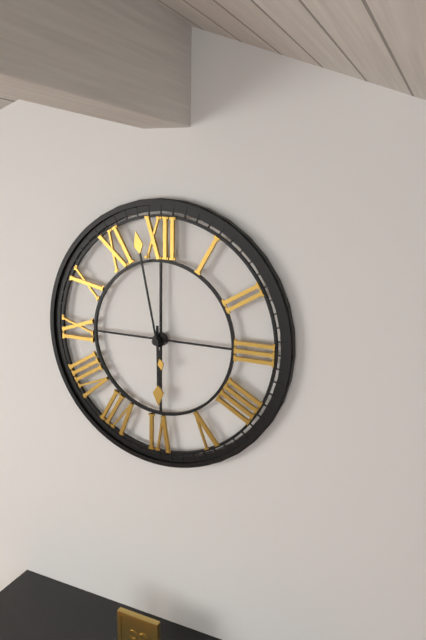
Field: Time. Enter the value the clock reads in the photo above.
5:58
